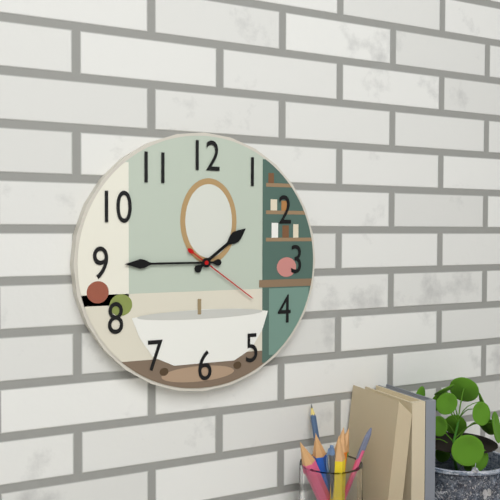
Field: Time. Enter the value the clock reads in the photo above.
1:45:21
